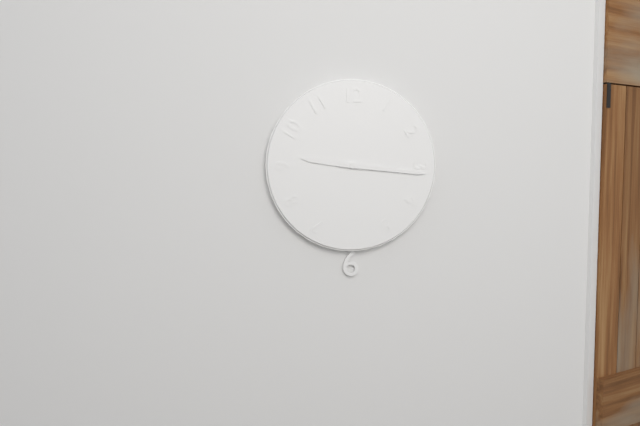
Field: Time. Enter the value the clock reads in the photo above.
9:16
